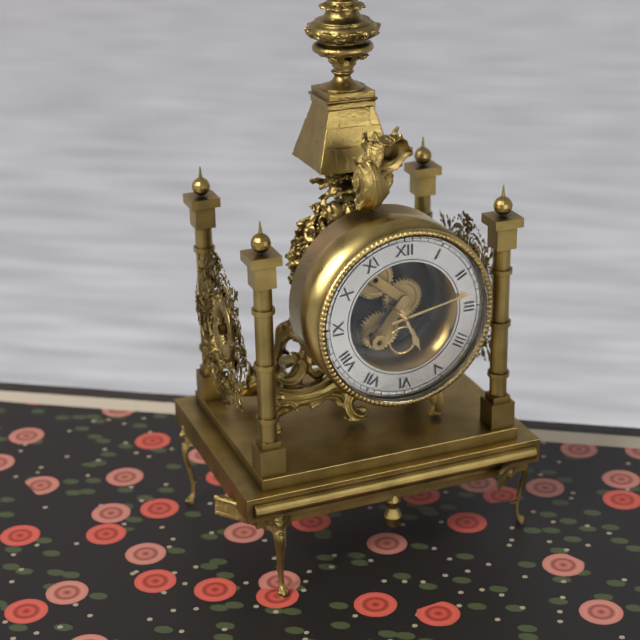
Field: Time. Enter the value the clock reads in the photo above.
5:13
